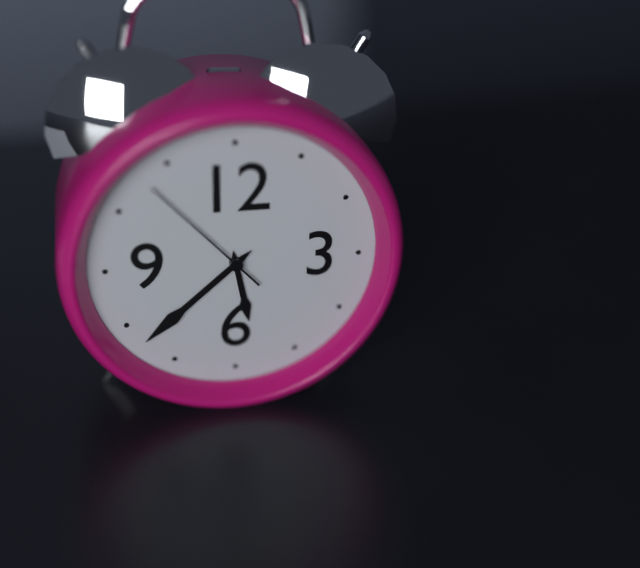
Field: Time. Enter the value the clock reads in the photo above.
5:38:53
